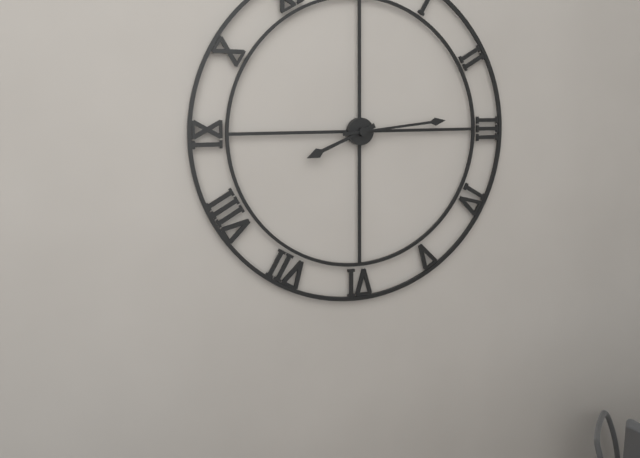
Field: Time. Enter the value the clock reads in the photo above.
8:14
